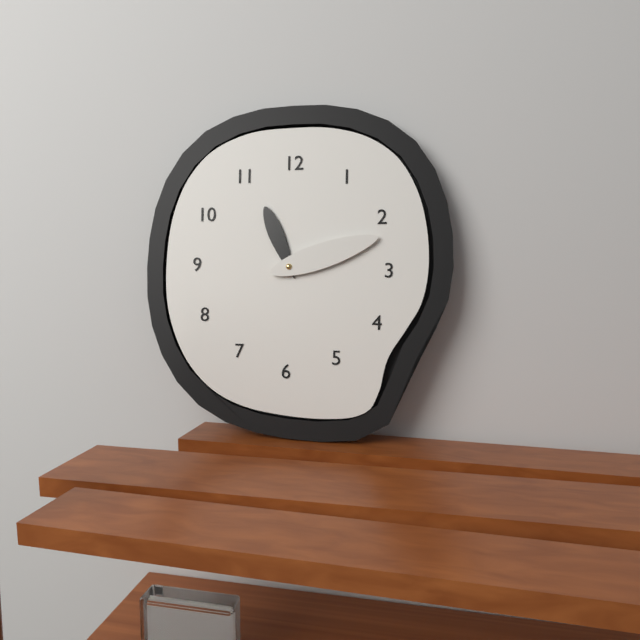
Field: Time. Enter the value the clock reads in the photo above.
11:12
